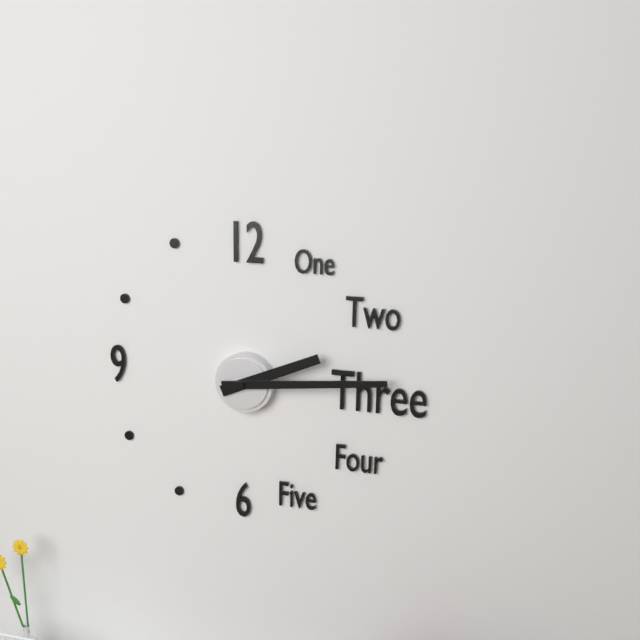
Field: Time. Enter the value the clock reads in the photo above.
2:14
